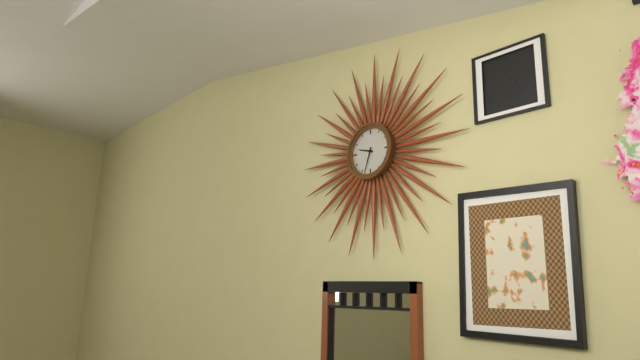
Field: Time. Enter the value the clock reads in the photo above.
9:33
